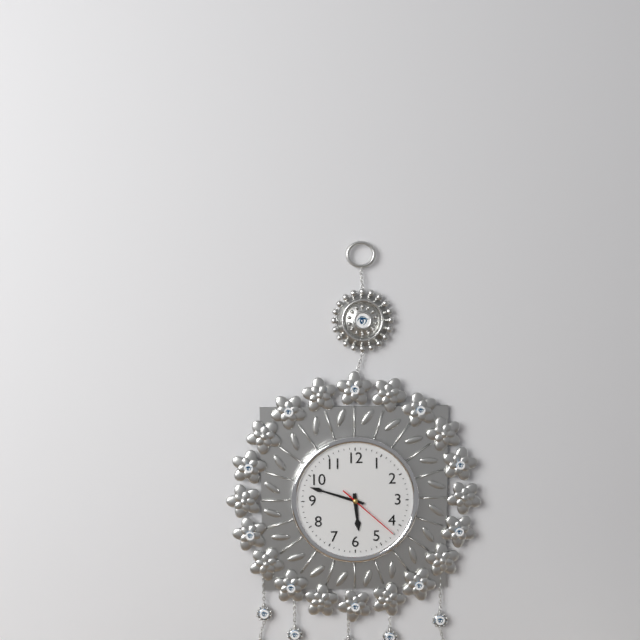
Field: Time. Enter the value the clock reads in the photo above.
5:48:22
